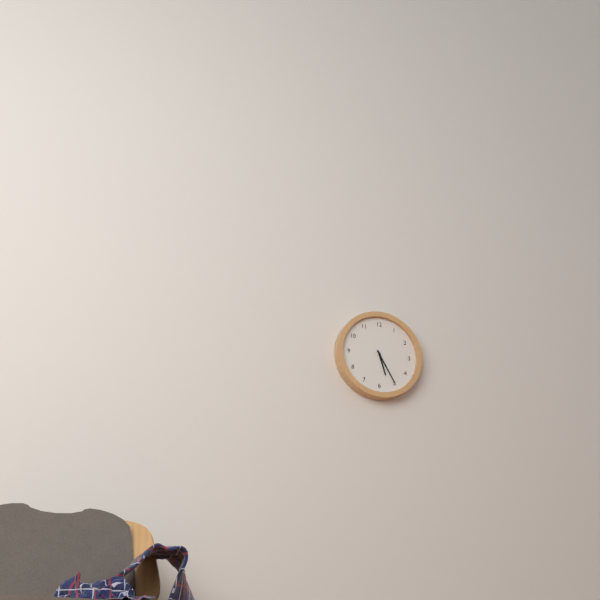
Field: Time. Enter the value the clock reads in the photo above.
5:25
